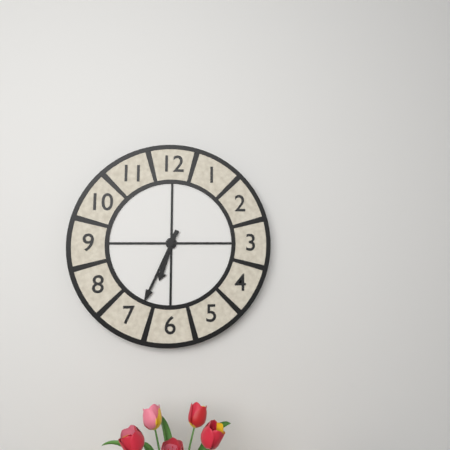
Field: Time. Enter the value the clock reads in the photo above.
6:34
